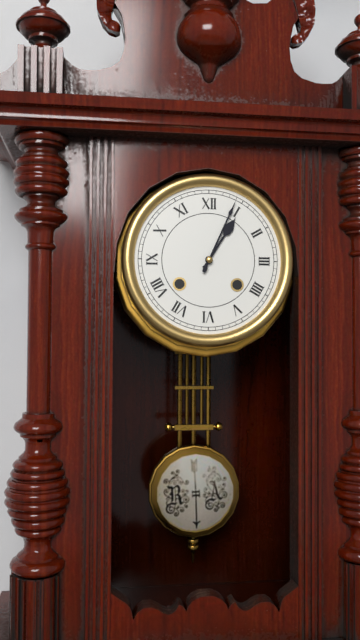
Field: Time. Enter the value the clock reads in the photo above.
1:04
